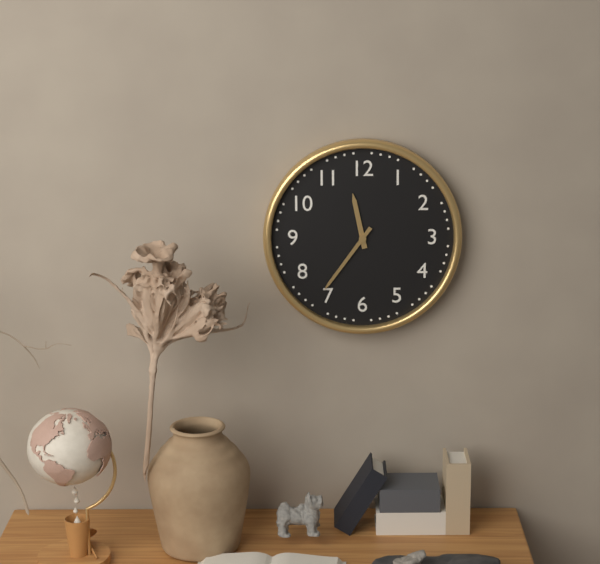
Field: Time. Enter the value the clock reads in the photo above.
11:36
